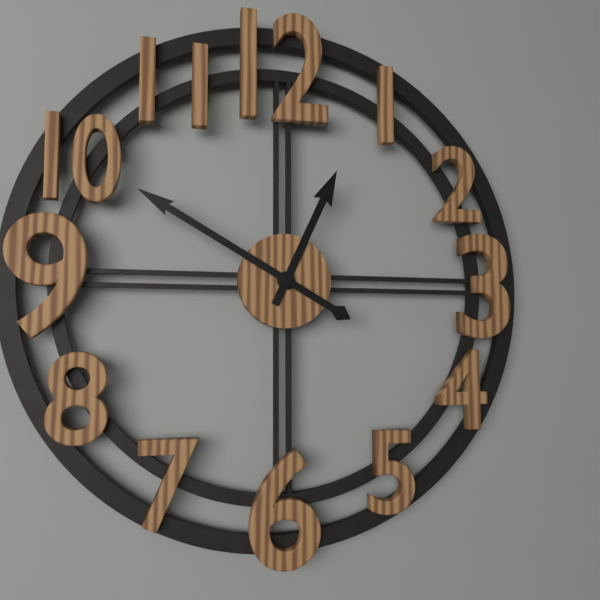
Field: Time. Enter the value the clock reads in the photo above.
12:50
